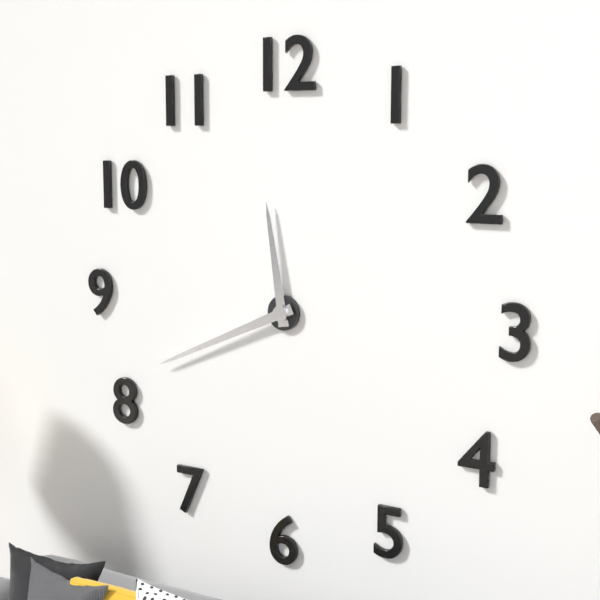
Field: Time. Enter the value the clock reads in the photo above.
11:41
